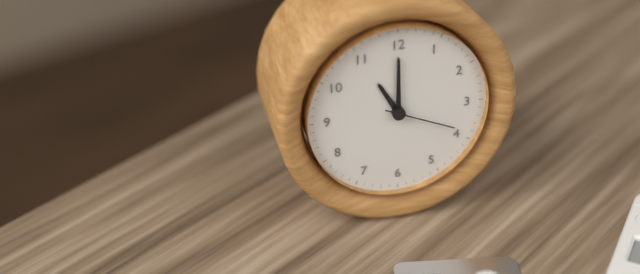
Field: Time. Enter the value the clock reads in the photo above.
11:00:19
